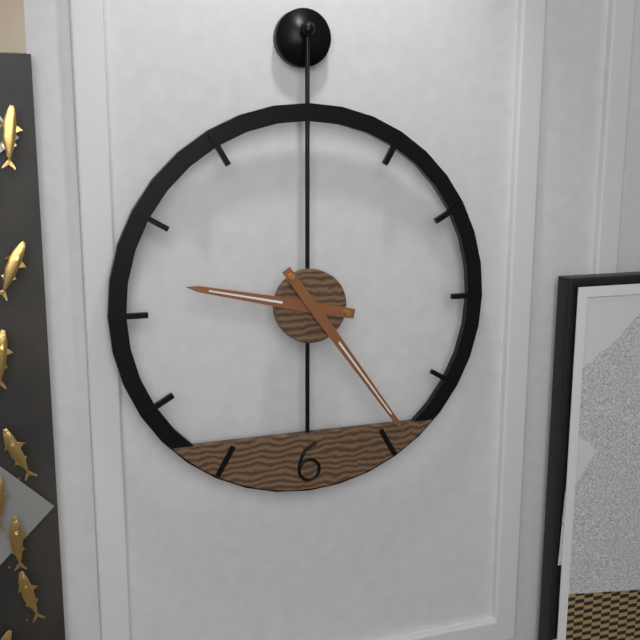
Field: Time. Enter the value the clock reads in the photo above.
9:24
